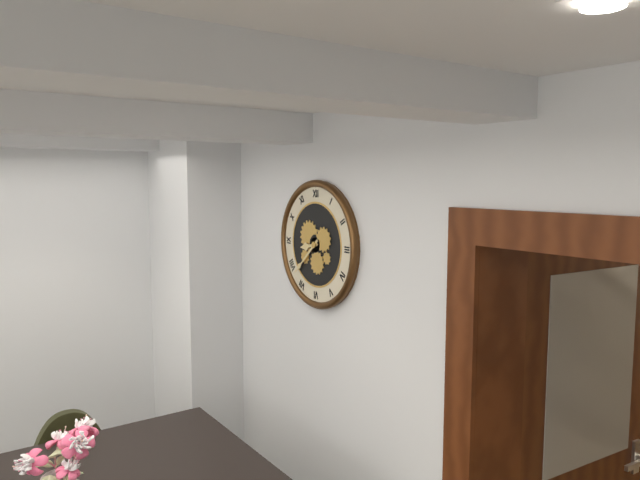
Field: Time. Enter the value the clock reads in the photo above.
8:38
